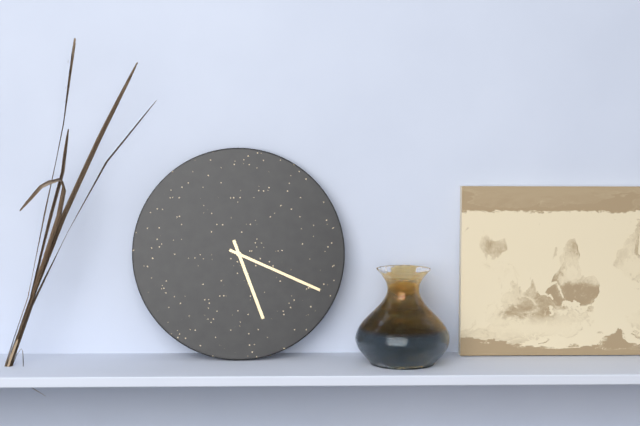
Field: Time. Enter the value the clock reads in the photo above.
5:19
